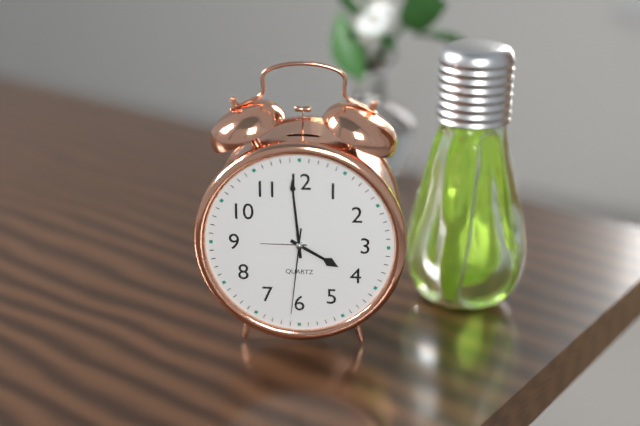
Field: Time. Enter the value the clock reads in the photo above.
3:59:31
